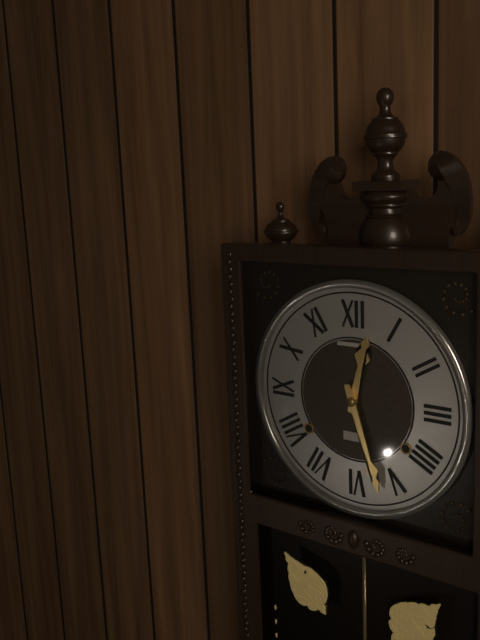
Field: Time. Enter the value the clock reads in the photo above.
12:27
